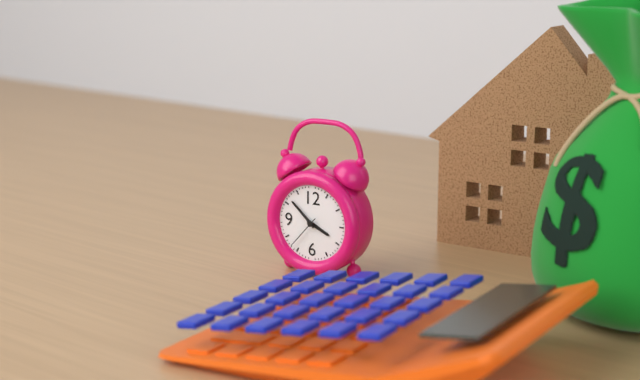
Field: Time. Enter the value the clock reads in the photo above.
3:52
